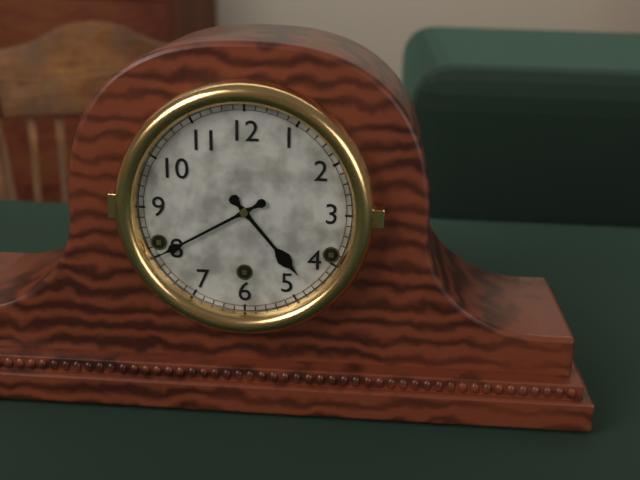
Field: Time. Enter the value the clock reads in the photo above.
4:40
